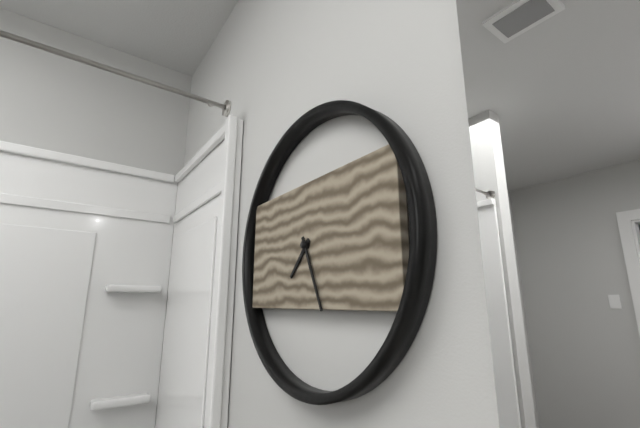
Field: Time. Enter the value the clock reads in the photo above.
7:26
